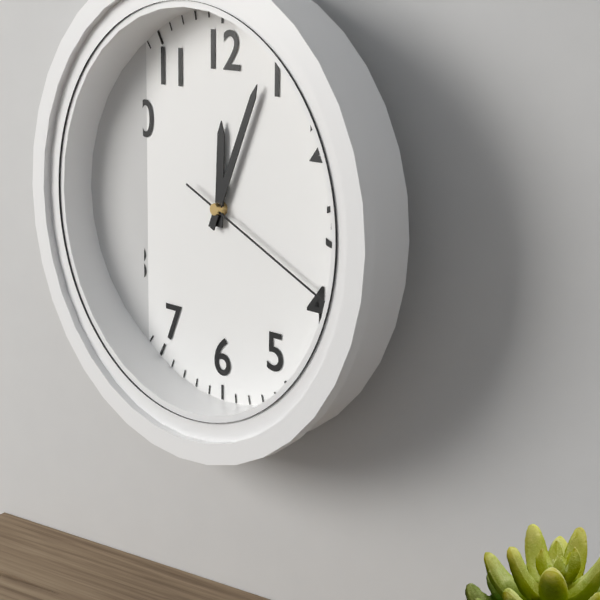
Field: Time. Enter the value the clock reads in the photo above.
12:04:19
